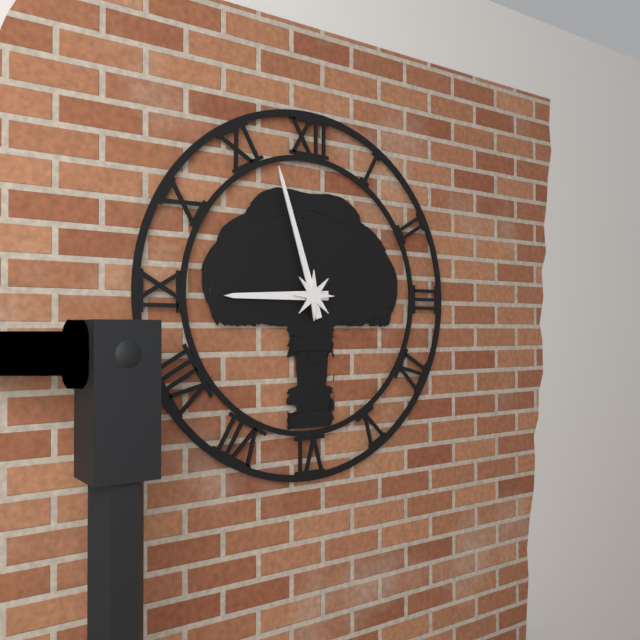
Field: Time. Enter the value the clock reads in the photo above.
8:57
